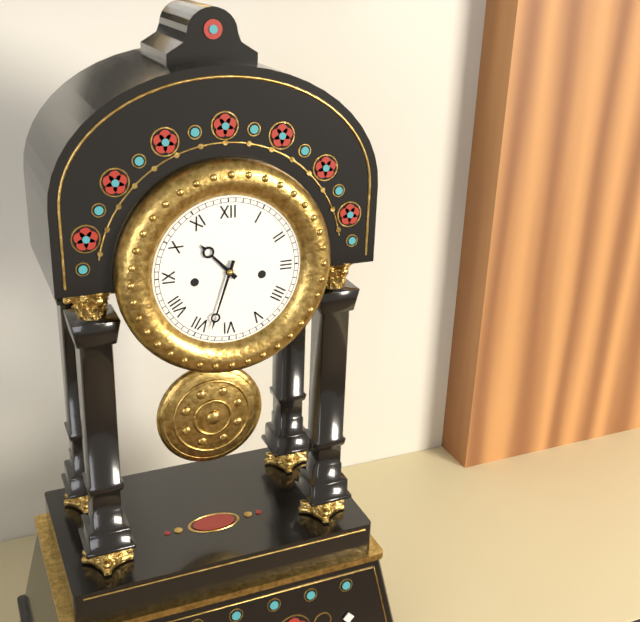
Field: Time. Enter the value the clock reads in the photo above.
10:33
